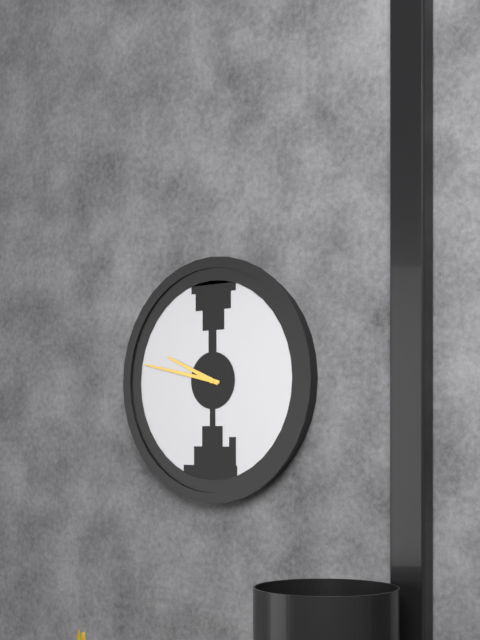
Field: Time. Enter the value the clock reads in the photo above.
9:47
